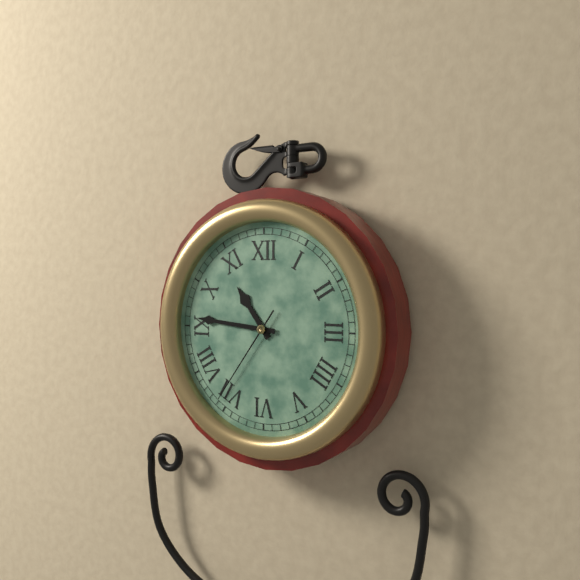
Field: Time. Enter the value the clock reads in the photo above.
10:46:36
